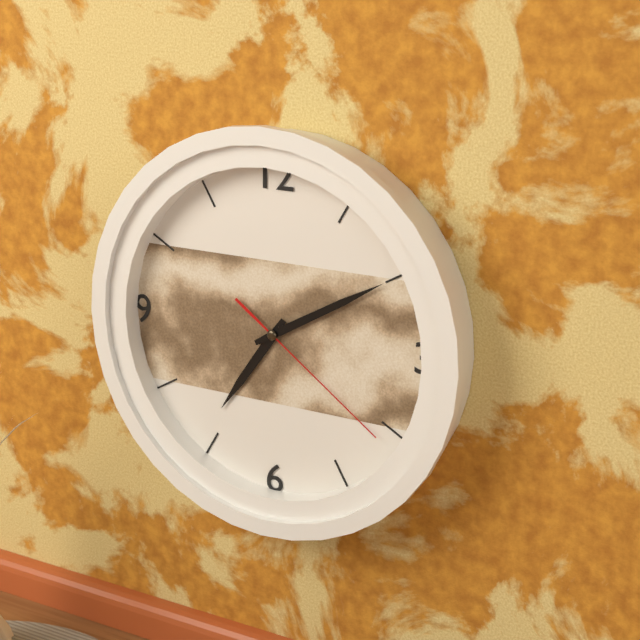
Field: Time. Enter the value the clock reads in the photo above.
7:10:21
